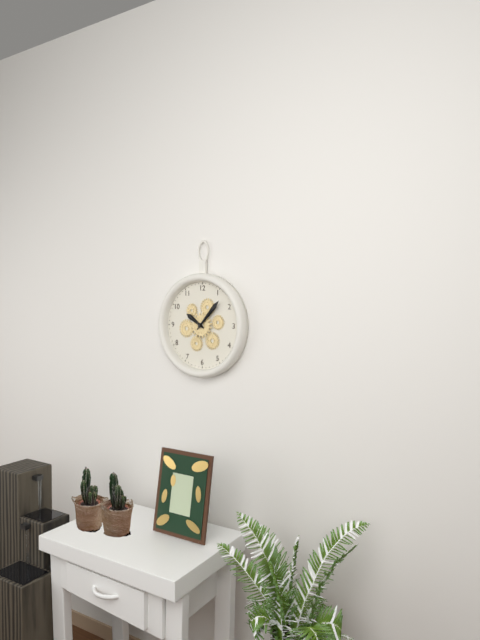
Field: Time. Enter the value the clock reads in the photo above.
10:07
